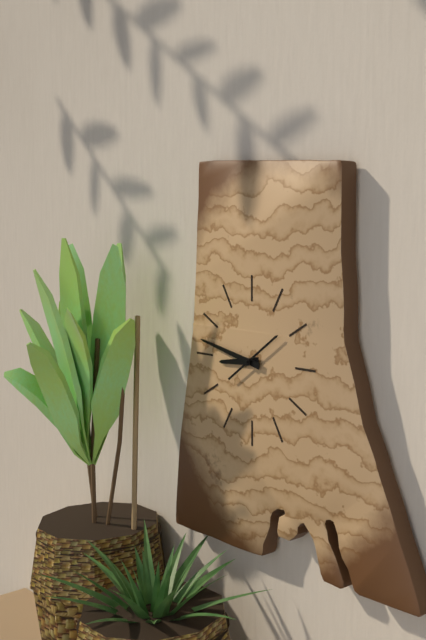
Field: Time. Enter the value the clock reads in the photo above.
8:47
